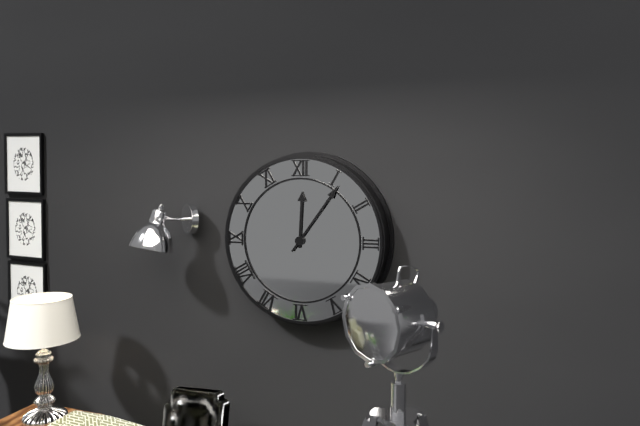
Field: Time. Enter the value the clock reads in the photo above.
12:06
